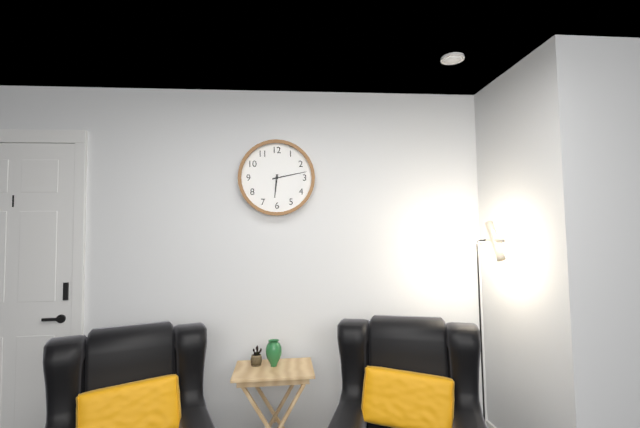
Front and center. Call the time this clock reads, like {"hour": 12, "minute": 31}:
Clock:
{"hour": 6, "minute": 13}
